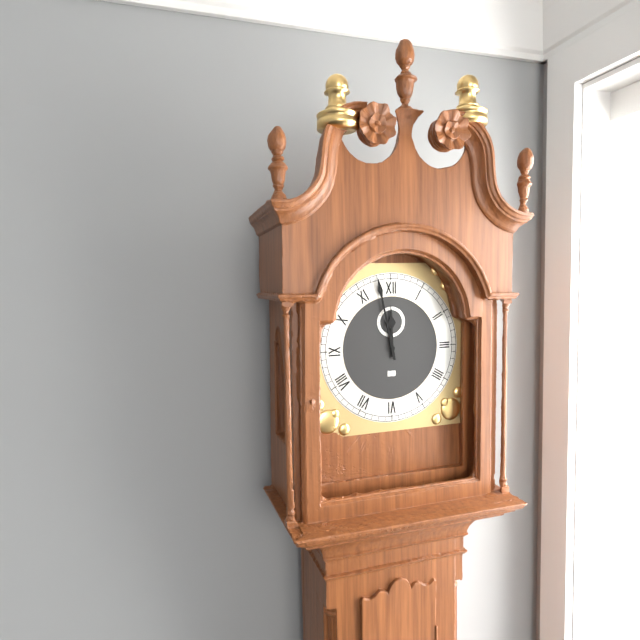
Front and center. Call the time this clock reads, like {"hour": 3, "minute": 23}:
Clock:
{"hour": 11, "minute": 58}
